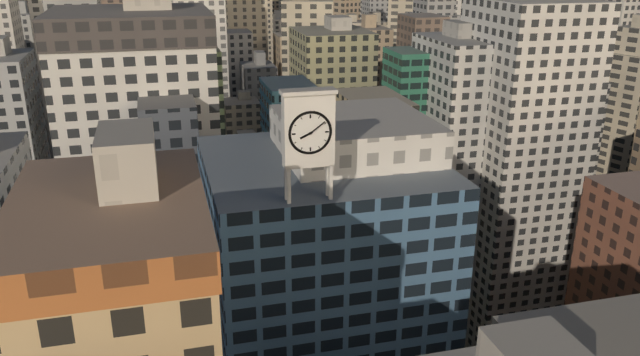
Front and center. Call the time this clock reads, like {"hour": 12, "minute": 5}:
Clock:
{"hour": 8, "minute": 9}
